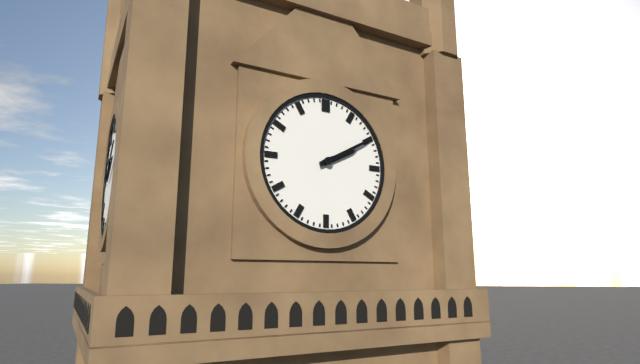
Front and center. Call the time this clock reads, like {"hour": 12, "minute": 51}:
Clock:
{"hour": 2, "minute": 10}
